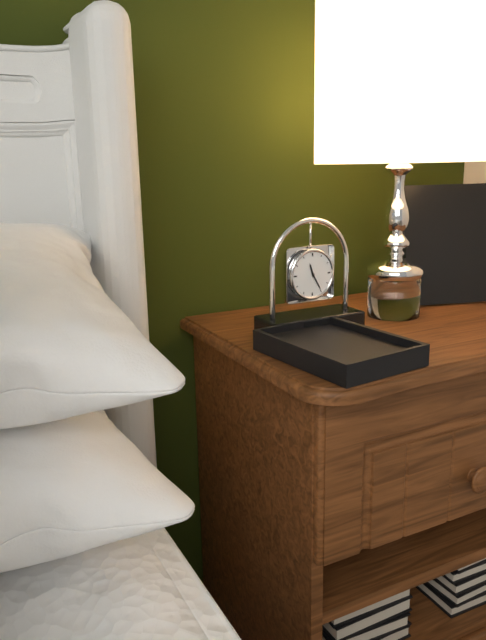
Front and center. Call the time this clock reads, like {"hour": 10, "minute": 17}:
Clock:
{"hour": 11, "minute": 25}
